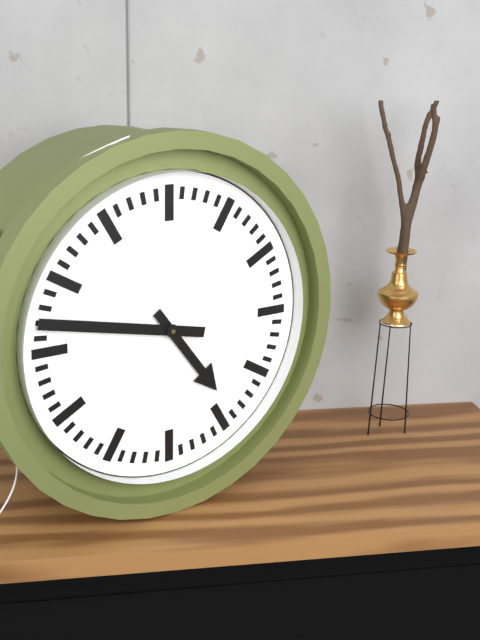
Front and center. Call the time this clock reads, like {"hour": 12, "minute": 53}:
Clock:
{"hour": 4, "minute": 47}
